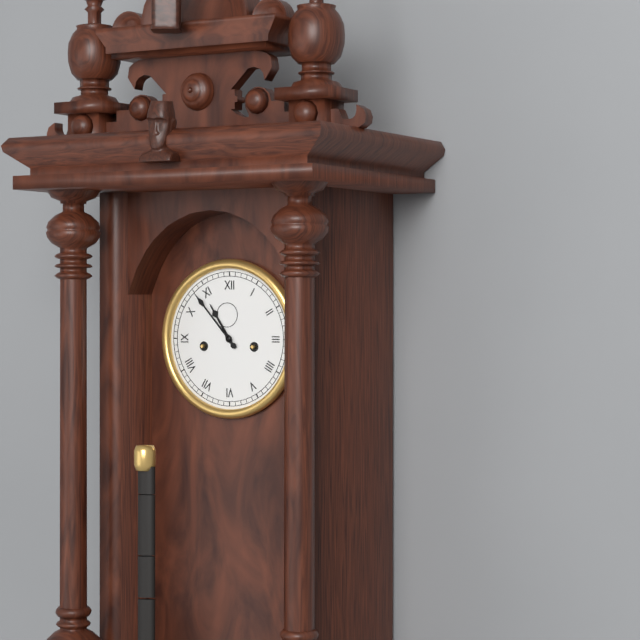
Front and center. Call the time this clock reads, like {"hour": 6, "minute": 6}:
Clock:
{"hour": 10, "minute": 53}
